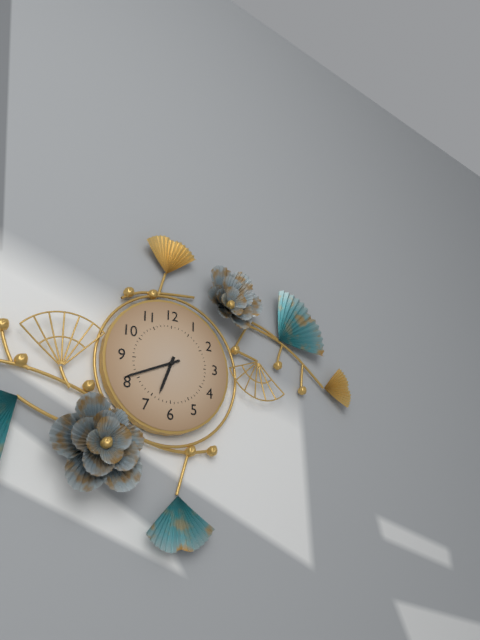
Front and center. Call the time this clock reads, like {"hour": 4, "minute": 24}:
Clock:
{"hour": 6, "minute": 41}
